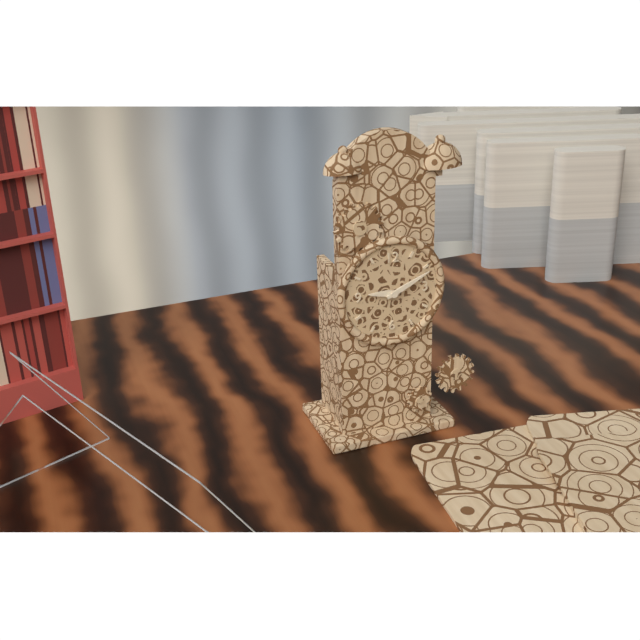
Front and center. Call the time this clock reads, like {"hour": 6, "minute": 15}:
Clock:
{"hour": 9, "minute": 11}
